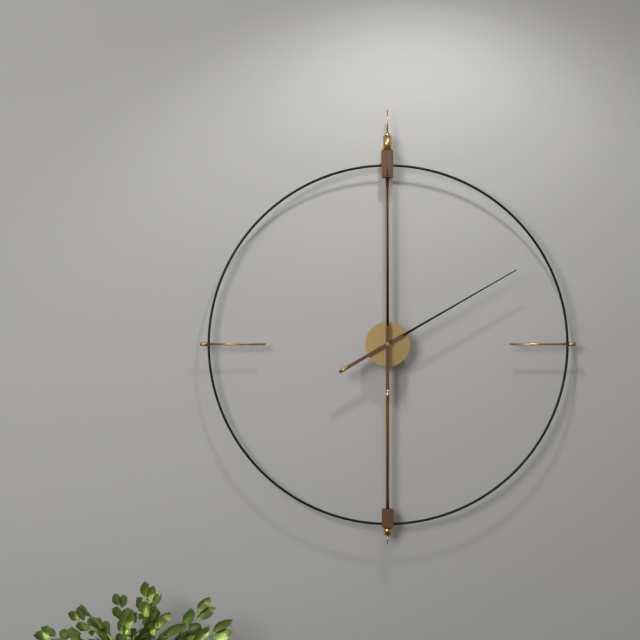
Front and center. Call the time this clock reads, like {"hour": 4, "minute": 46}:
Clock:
{"hour": 2, "minute": 0}
